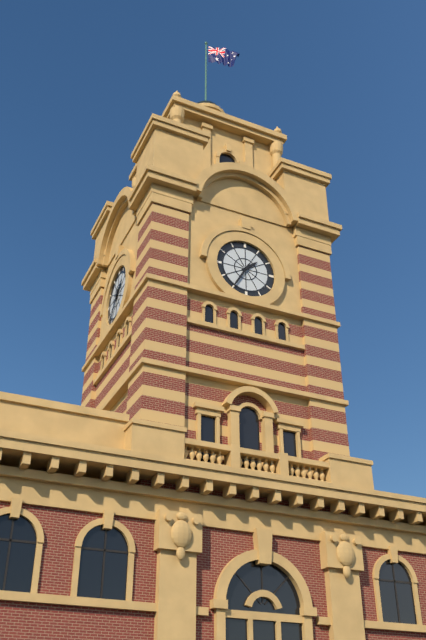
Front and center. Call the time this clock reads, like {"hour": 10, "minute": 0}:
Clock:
{"hour": 1, "minute": 35}
